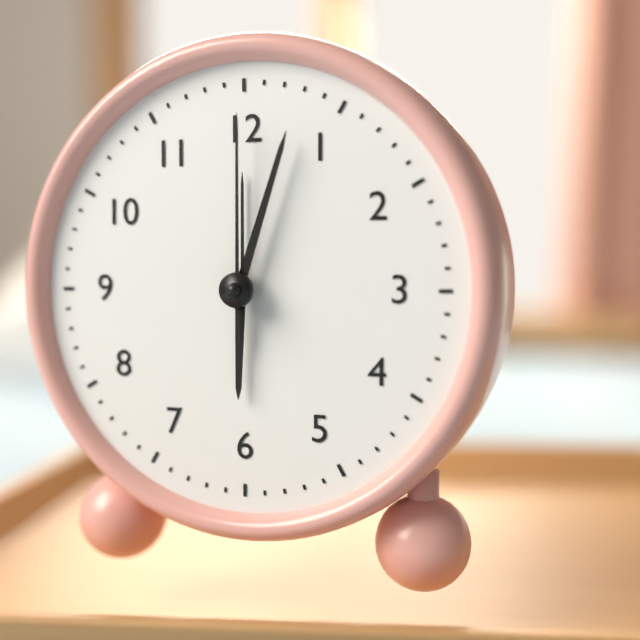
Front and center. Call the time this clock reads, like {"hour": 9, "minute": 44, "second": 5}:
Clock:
{"hour": 6, "minute": 3, "second": 0}
